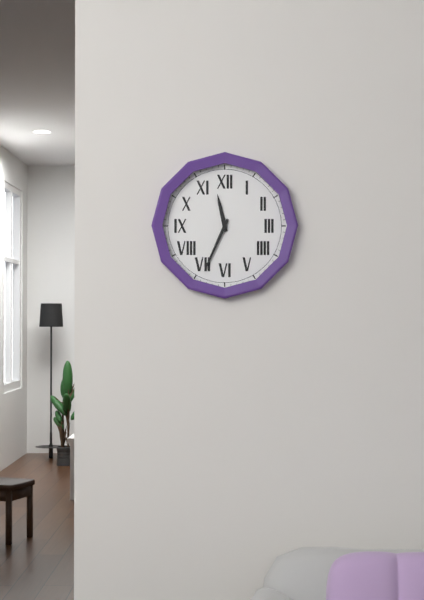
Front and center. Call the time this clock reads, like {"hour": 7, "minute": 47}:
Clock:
{"hour": 11, "minute": 34}
